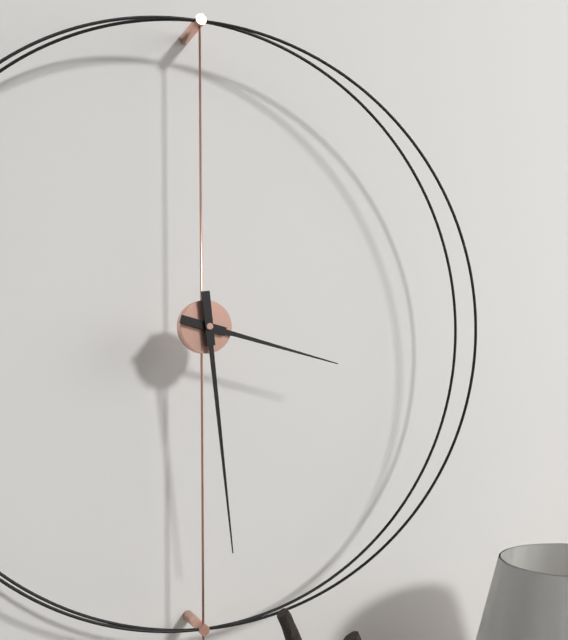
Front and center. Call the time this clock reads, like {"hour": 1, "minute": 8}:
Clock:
{"hour": 3, "minute": 29}
